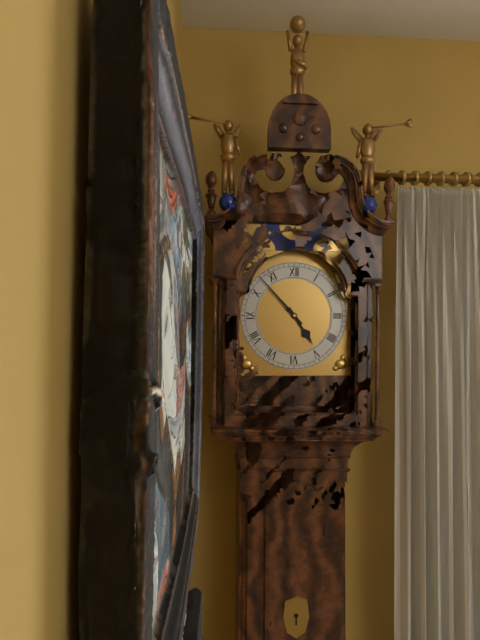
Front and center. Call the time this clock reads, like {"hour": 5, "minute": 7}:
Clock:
{"hour": 4, "minute": 53}
